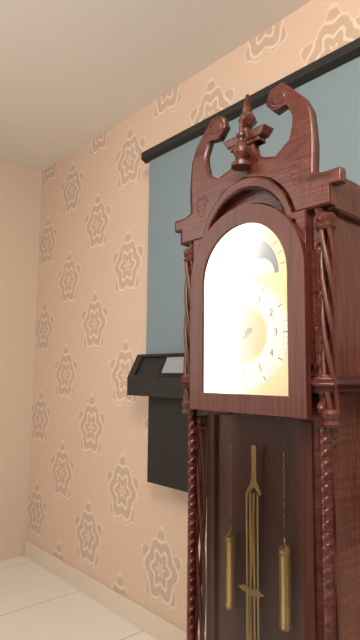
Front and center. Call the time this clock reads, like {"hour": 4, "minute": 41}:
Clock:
{"hour": 7, "minute": 40}
